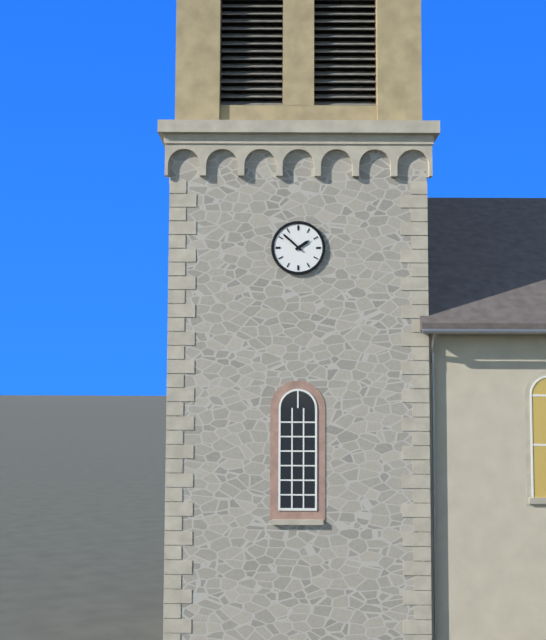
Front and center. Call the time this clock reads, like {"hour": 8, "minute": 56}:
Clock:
{"hour": 1, "minute": 52}
